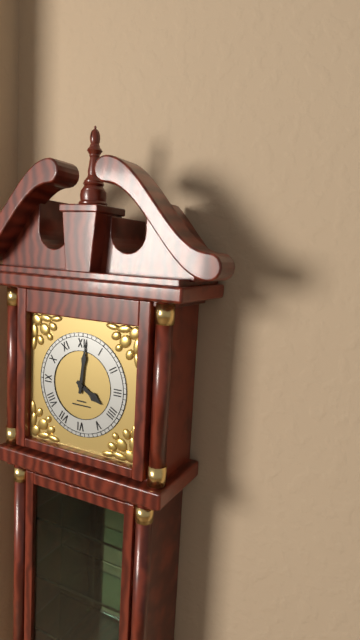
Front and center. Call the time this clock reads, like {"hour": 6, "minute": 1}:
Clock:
{"hour": 4, "minute": 1}
